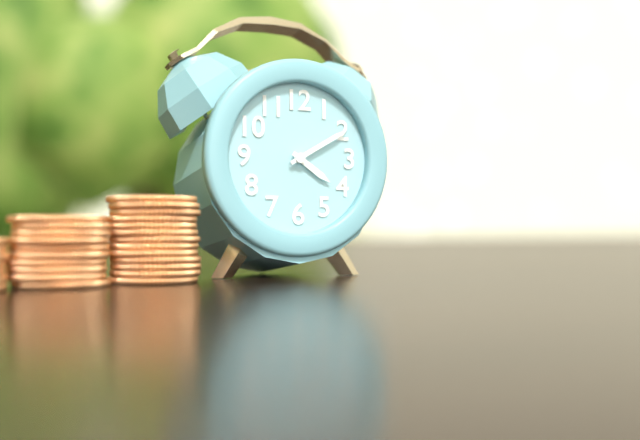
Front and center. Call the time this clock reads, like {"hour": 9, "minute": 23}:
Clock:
{"hour": 4, "minute": 10}
